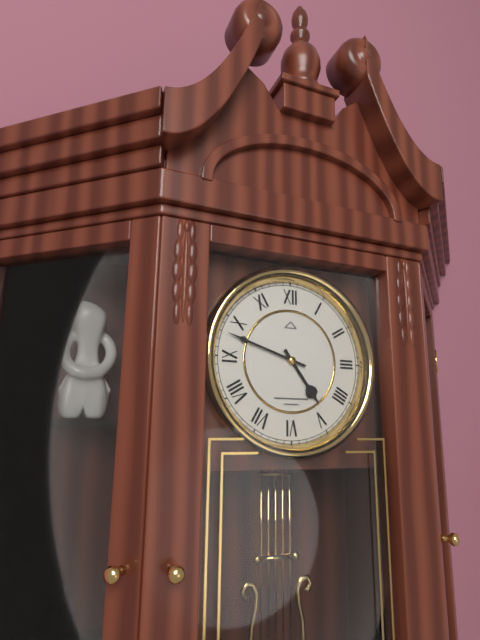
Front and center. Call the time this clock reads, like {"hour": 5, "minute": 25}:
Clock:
{"hour": 4, "minute": 48}
